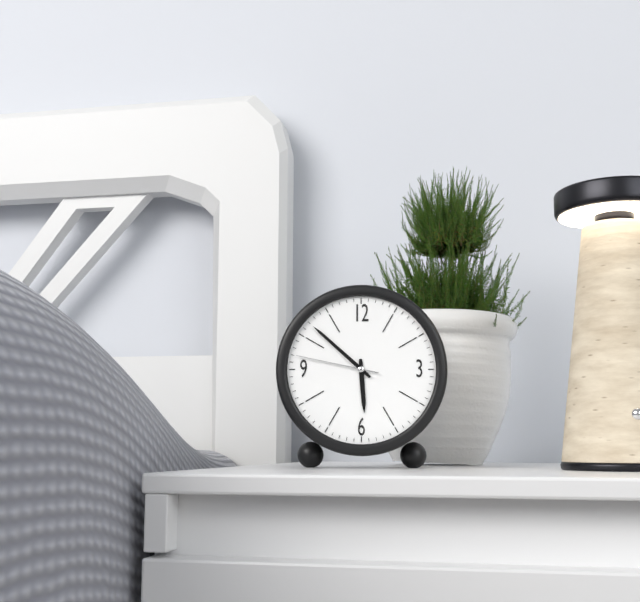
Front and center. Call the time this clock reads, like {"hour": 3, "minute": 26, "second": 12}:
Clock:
{"hour": 5, "minute": 52, "second": 47}
